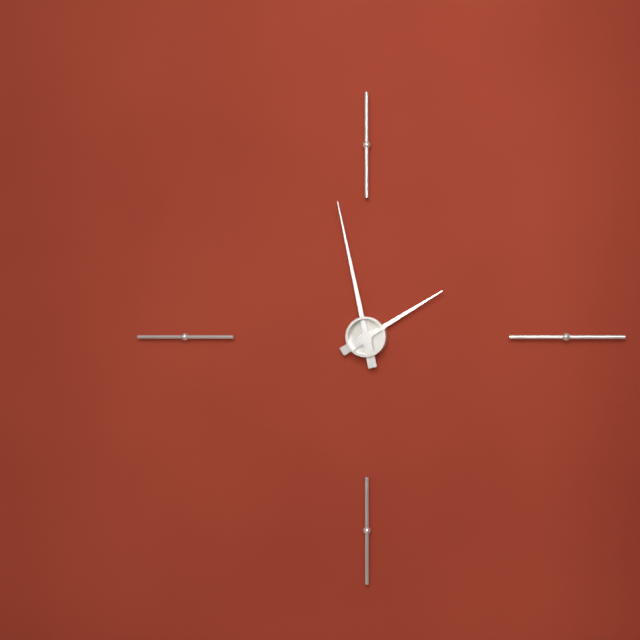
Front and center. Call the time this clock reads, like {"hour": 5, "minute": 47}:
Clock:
{"hour": 1, "minute": 58}
